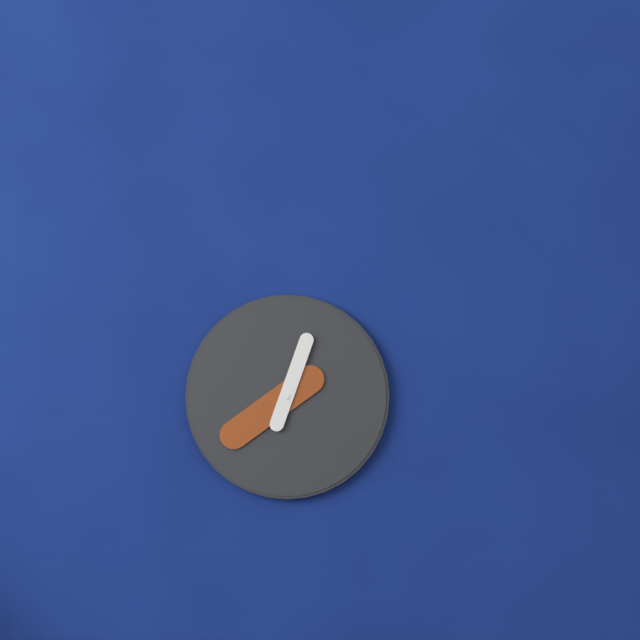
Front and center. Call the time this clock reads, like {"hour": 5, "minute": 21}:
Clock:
{"hour": 12, "minute": 39}
